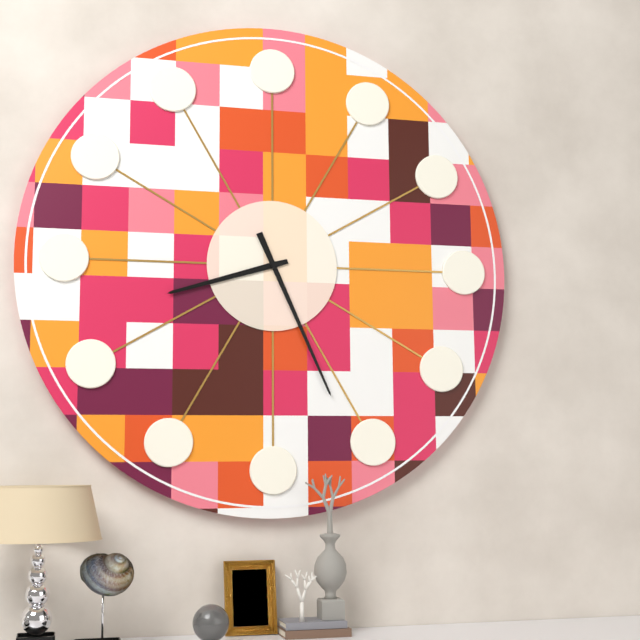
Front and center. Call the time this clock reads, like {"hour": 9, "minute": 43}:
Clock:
{"hour": 8, "minute": 26}
